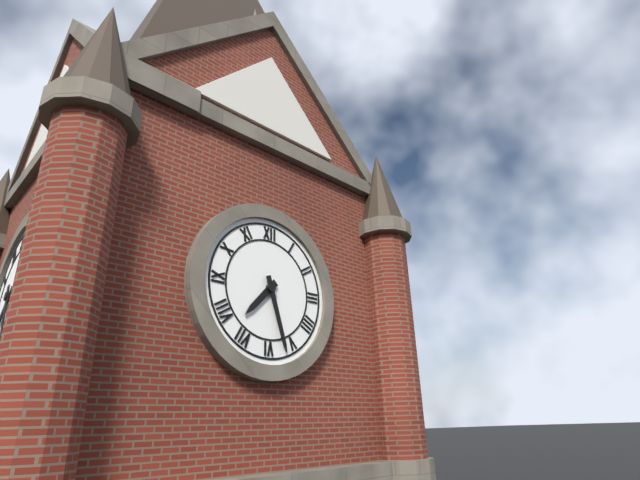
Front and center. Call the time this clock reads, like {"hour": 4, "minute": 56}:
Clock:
{"hour": 7, "minute": 27}
